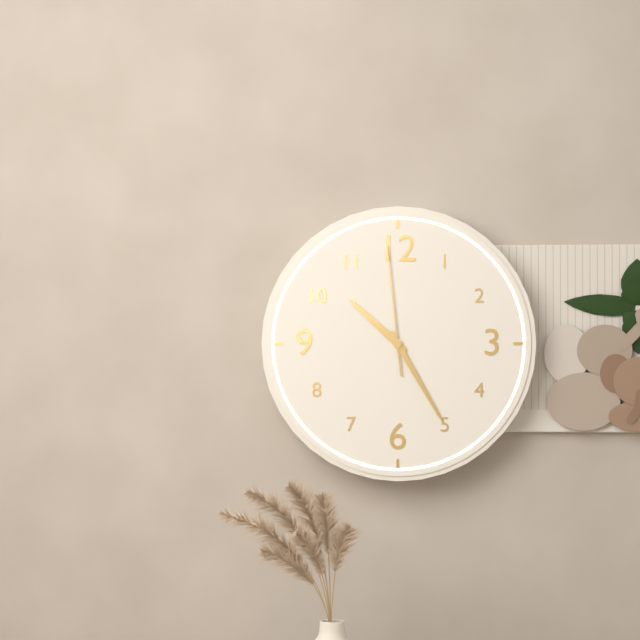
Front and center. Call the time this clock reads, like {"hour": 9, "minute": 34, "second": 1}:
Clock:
{"hour": 10, "minute": 25, "second": 59}
